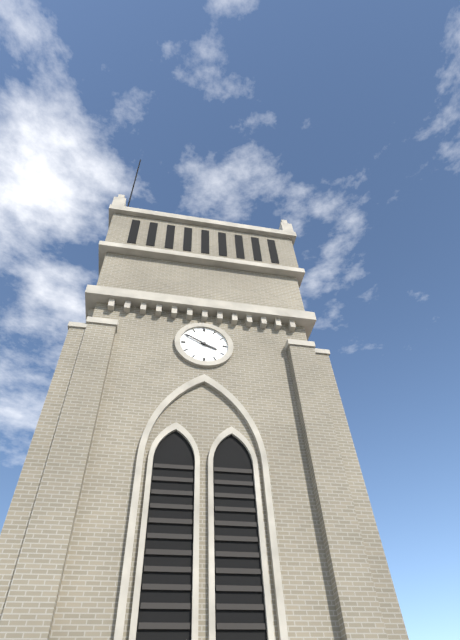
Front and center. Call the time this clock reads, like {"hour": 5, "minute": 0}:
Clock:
{"hour": 3, "minute": 50}
